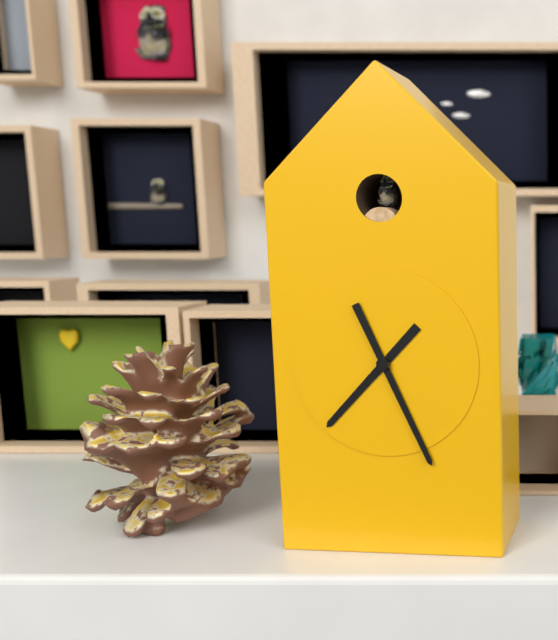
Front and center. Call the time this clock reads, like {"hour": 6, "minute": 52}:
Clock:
{"hour": 7, "minute": 26}
